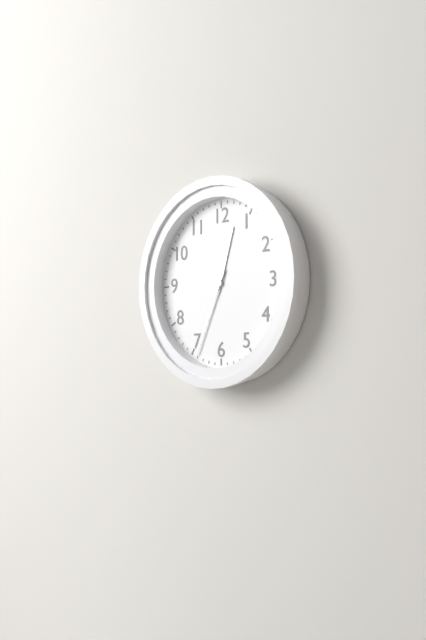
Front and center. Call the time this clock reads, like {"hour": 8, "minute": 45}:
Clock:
{"hour": 12, "minute": 34}
